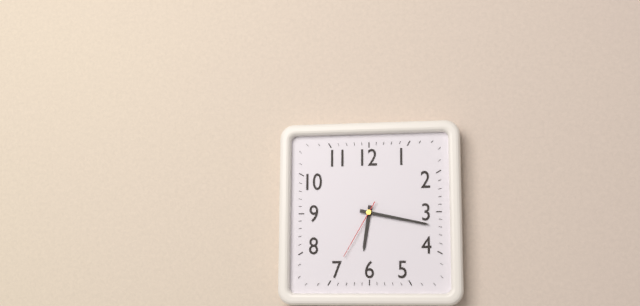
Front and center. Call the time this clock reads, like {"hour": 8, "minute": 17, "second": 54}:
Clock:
{"hour": 6, "minute": 17, "second": 35}
